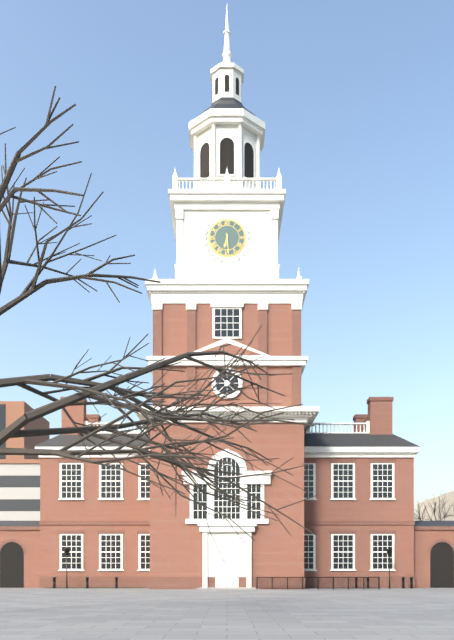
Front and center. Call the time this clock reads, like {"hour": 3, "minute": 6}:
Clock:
{"hour": 6, "minute": 29}
